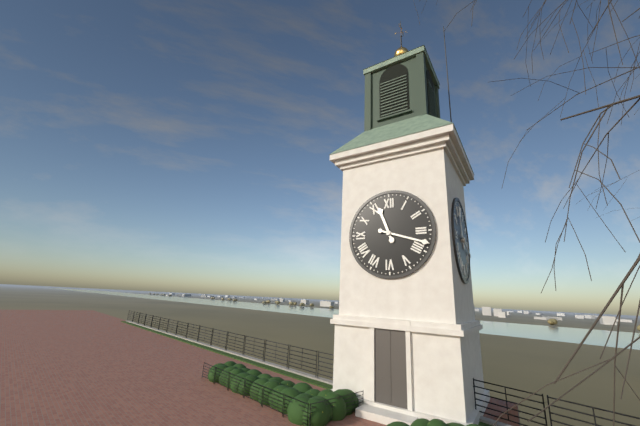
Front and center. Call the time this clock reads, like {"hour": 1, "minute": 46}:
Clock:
{"hour": 11, "minute": 18}
